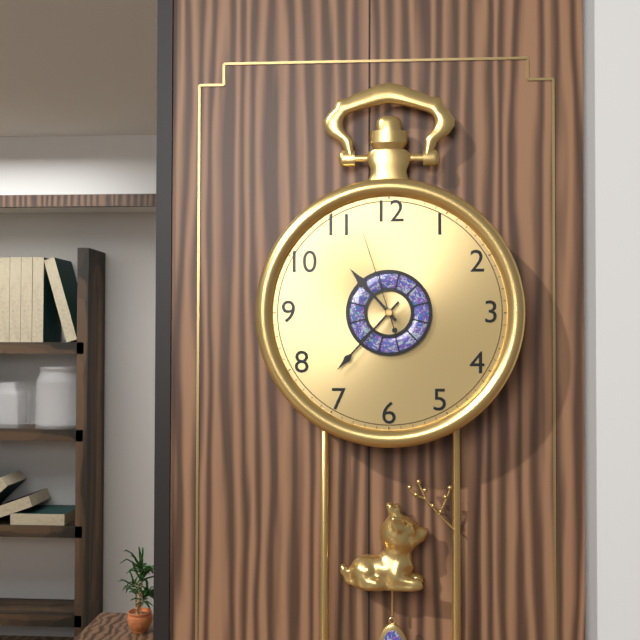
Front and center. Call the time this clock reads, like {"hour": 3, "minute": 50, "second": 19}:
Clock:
{"hour": 10, "minute": 37, "second": 57}
